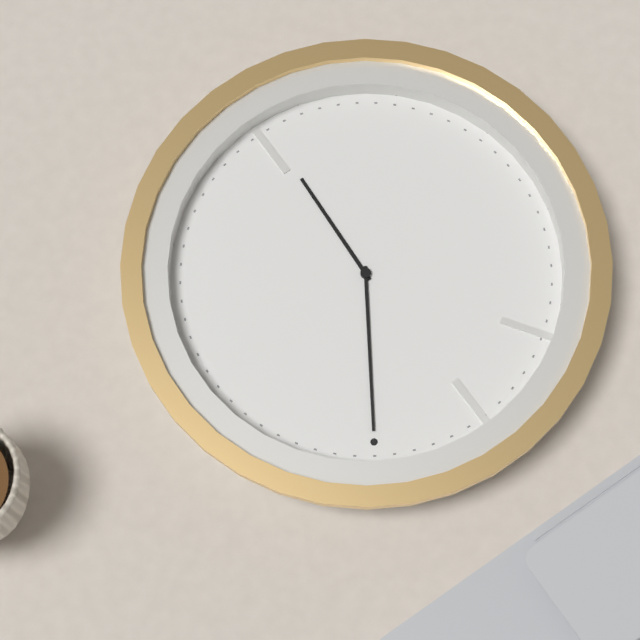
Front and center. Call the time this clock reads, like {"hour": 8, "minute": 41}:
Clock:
{"hour": 5, "minute": 0}
